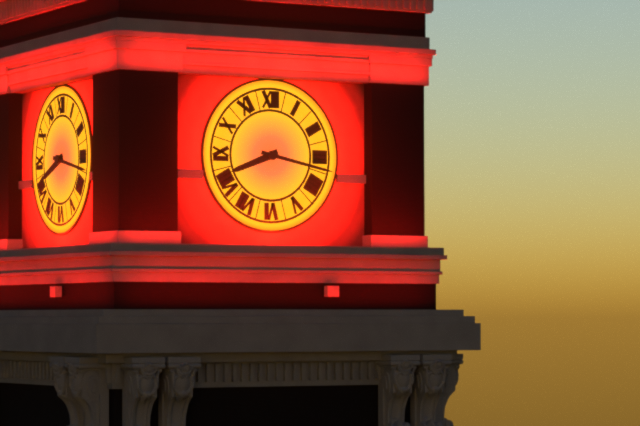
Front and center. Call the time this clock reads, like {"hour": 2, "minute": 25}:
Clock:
{"hour": 8, "minute": 17}
